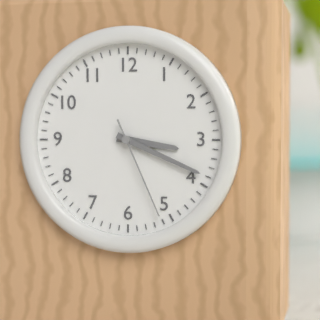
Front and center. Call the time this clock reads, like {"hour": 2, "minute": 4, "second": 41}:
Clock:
{"hour": 3, "minute": 19, "second": 26}
